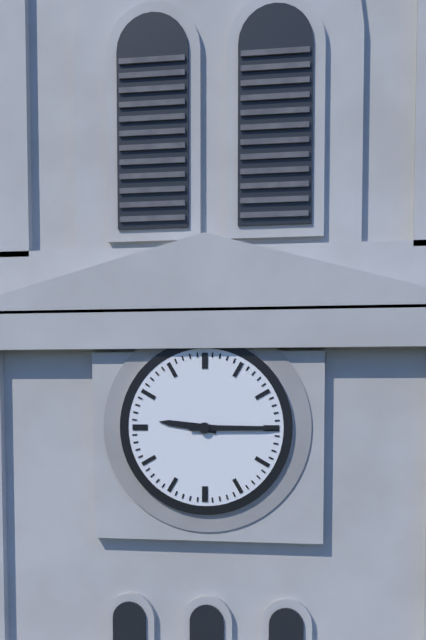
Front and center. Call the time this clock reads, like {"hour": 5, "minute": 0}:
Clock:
{"hour": 9, "minute": 15}
